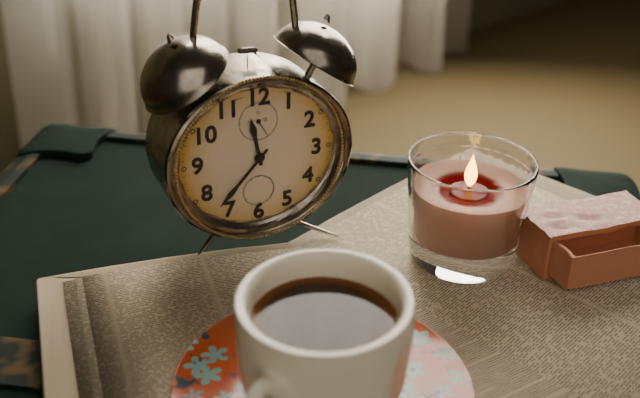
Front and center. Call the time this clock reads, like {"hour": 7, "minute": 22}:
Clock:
{"hour": 11, "minute": 37}
